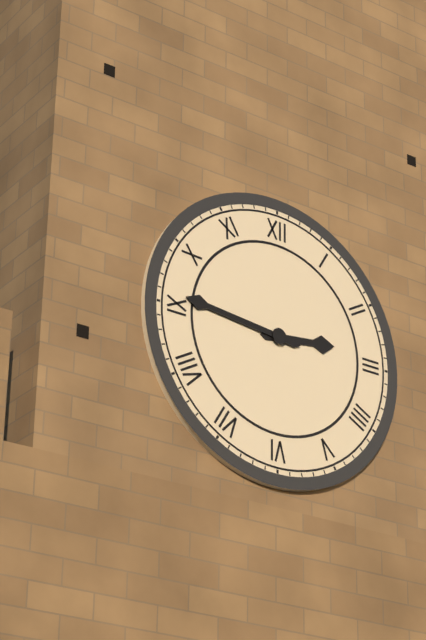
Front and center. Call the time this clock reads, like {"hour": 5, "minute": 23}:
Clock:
{"hour": 2, "minute": 46}
